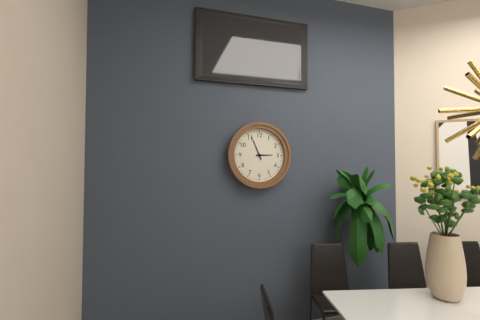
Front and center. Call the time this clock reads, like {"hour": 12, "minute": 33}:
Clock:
{"hour": 2, "minute": 56}
